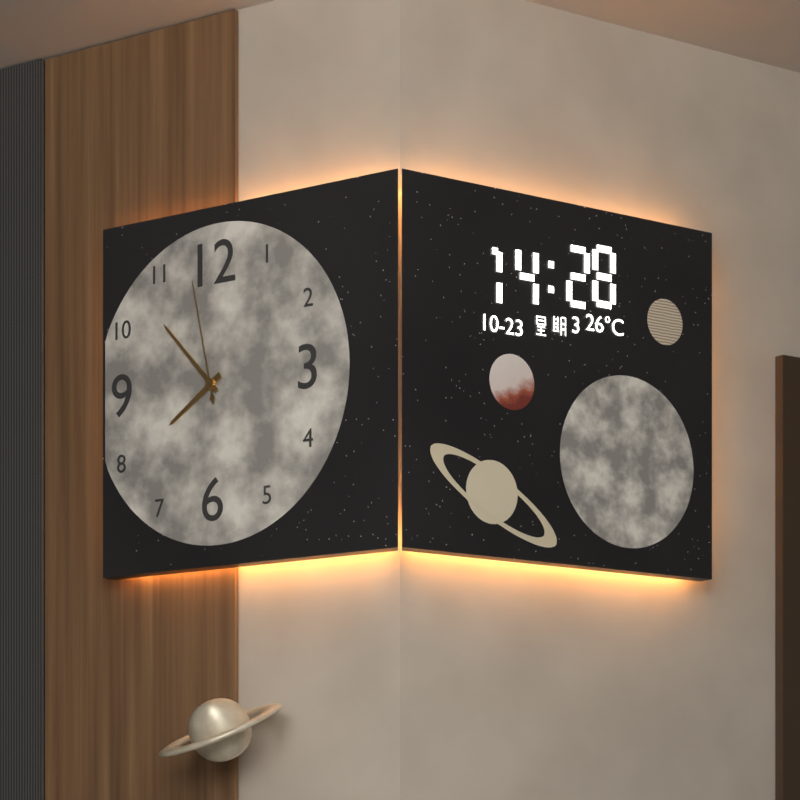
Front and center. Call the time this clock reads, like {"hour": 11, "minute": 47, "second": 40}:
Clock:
{"hour": 7, "minute": 53, "second": 58}
